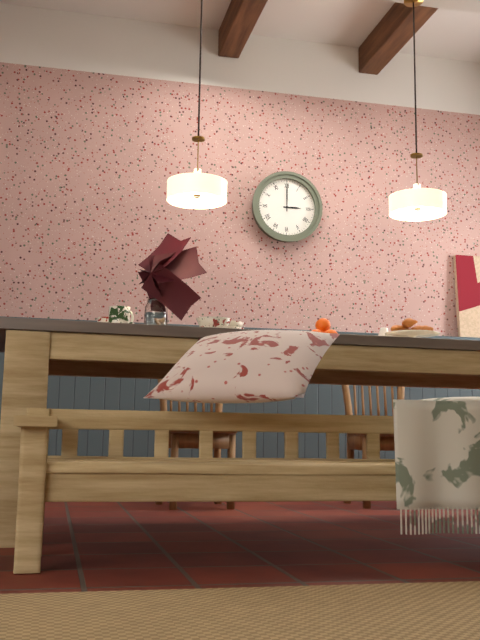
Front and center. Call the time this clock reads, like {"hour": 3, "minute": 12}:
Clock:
{"hour": 3, "minute": 0}
